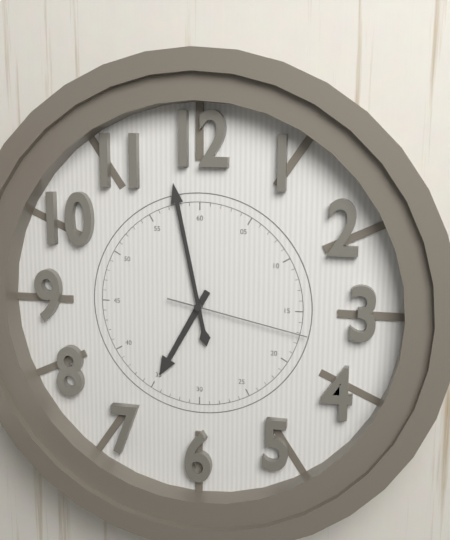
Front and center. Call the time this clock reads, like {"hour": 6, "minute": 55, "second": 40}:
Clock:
{"hour": 6, "minute": 58, "second": 17}
